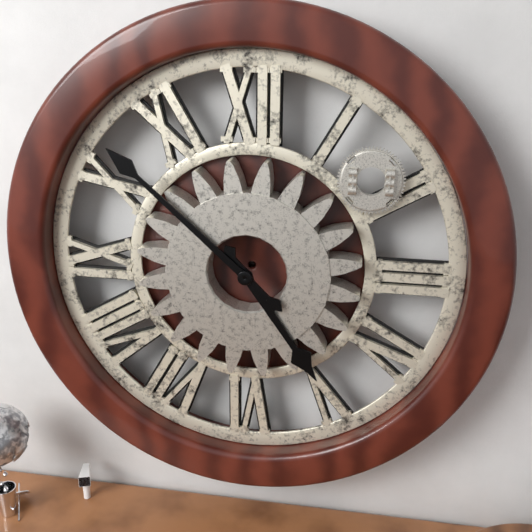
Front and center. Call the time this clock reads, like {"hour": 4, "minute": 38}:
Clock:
{"hour": 4, "minute": 52}
